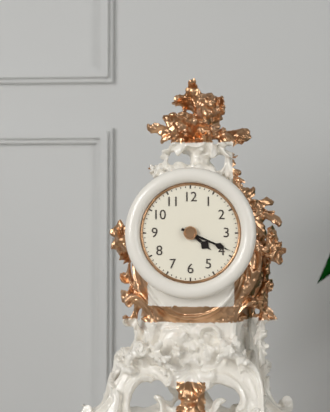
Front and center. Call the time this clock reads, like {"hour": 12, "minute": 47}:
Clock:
{"hour": 4, "minute": 19}
